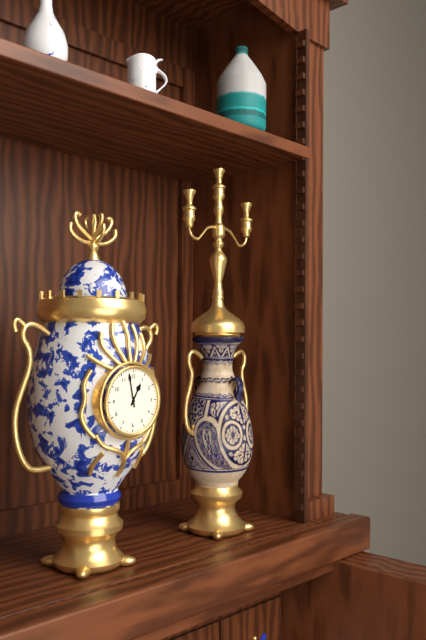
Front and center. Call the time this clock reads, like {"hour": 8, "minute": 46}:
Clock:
{"hour": 12, "minute": 58}
